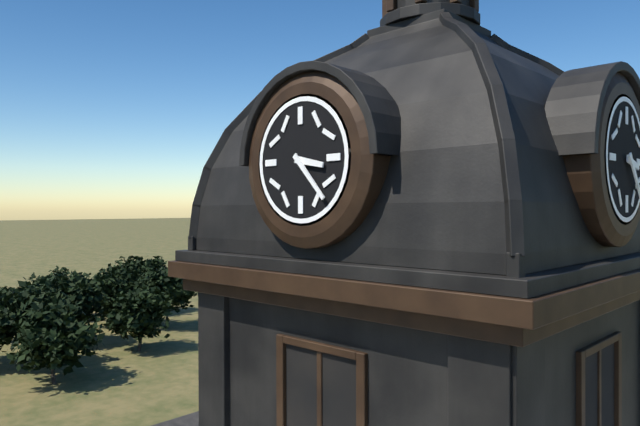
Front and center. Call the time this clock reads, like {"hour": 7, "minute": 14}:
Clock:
{"hour": 3, "minute": 23}
